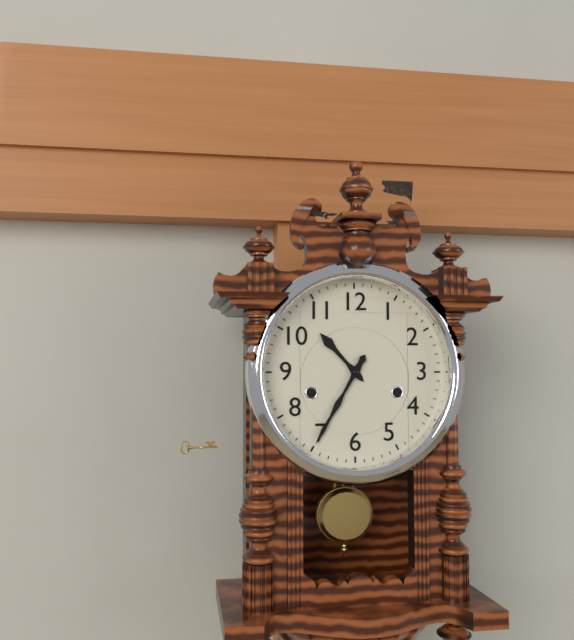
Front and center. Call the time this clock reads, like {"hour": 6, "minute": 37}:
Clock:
{"hour": 10, "minute": 35}
